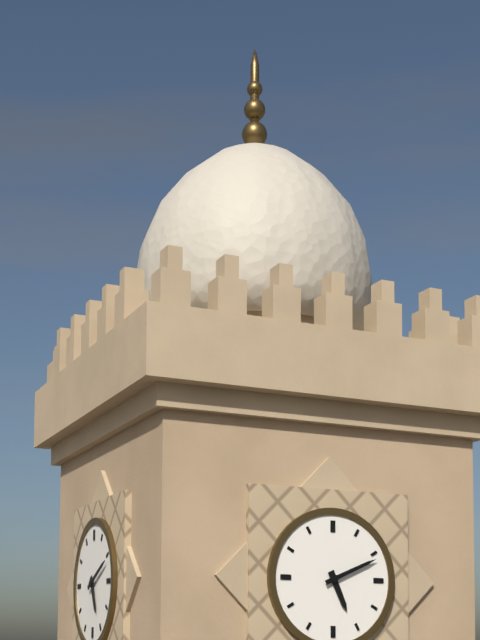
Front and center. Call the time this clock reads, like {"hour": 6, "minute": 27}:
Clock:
{"hour": 5, "minute": 11}
